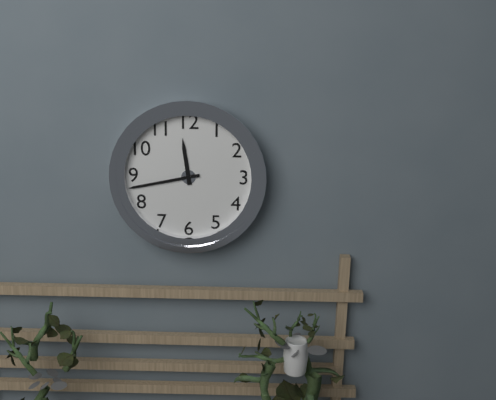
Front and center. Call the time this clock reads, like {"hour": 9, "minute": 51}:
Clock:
{"hour": 11, "minute": 43}
